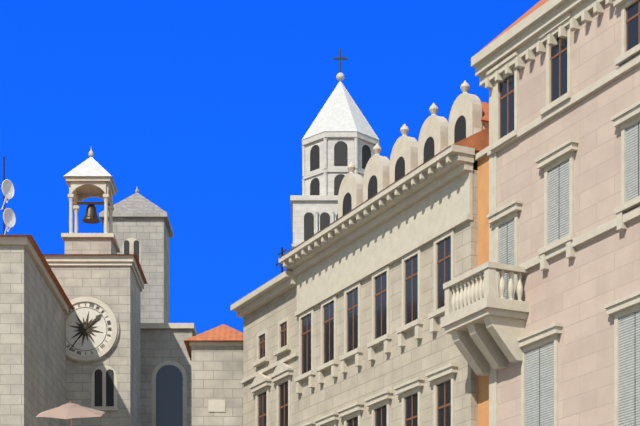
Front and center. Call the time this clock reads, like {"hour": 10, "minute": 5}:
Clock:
{"hour": 1, "minute": 36}
